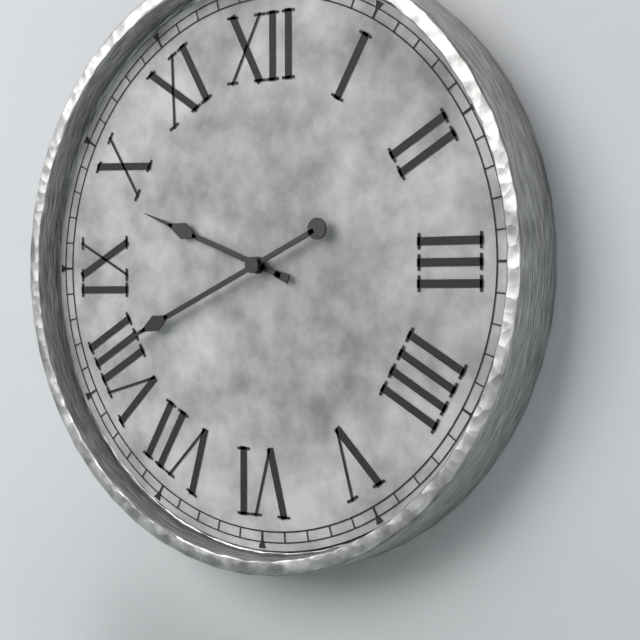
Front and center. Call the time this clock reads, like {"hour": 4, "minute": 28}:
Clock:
{"hour": 9, "minute": 41}
